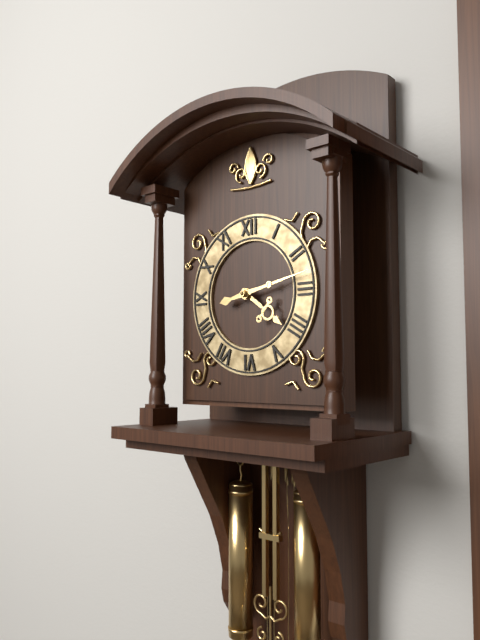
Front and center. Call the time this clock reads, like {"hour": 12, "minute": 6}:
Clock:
{"hour": 4, "minute": 13}
